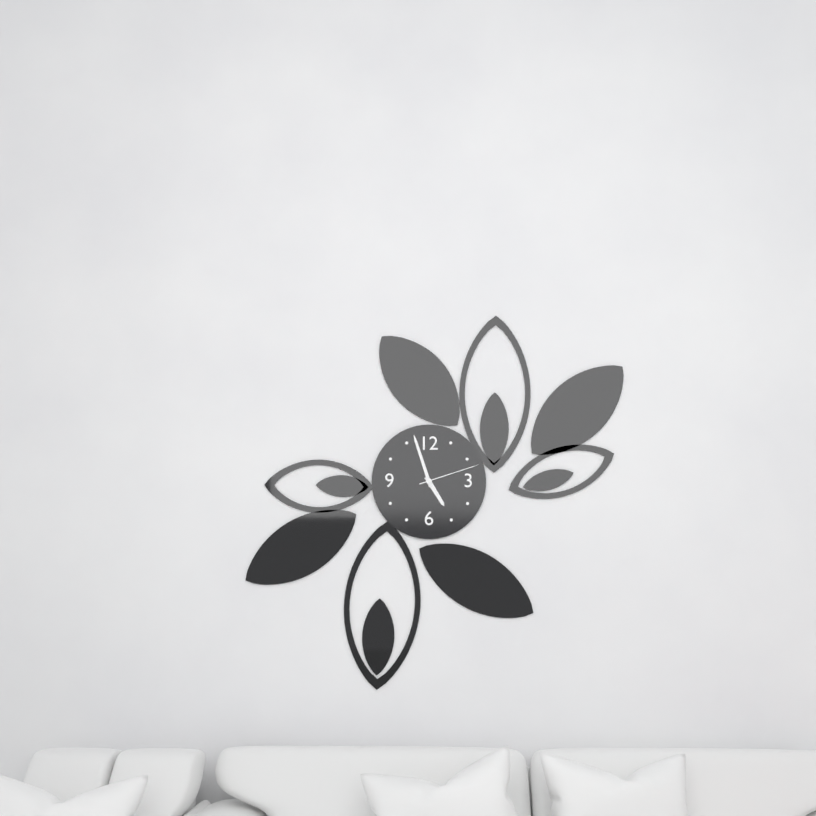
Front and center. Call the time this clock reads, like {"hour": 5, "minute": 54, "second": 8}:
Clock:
{"hour": 4, "minute": 57, "second": 12}
